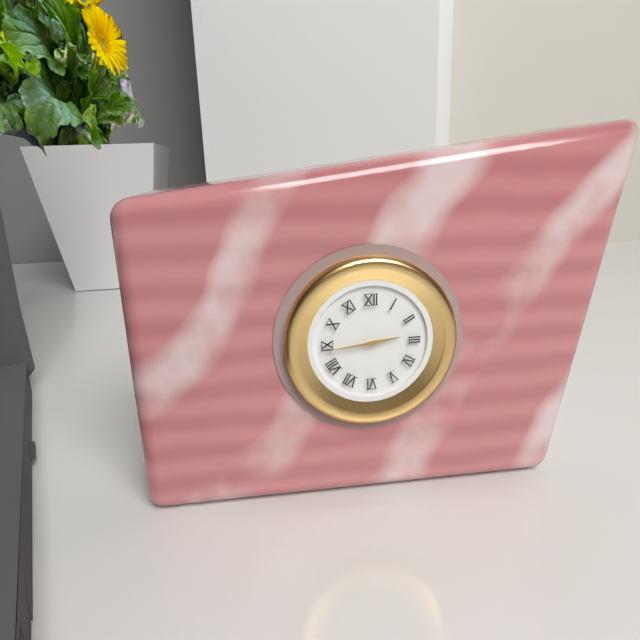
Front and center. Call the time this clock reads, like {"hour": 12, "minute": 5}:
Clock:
{"hour": 2, "minute": 44}
